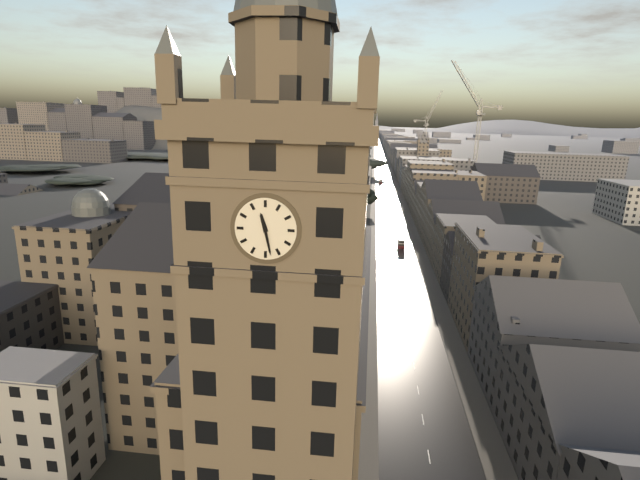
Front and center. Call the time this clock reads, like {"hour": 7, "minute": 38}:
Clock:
{"hour": 11, "minute": 28}
